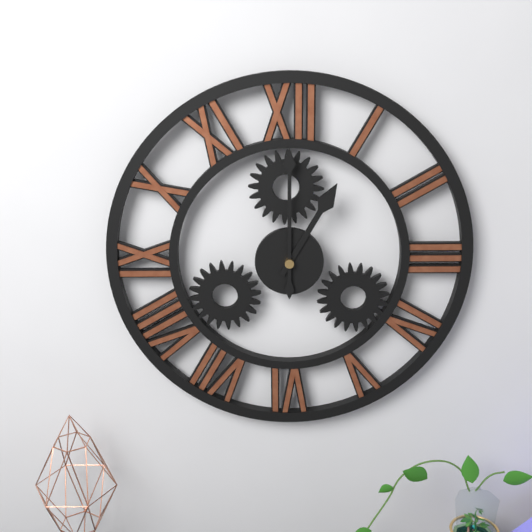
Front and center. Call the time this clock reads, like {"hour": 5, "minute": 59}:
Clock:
{"hour": 1, "minute": 0}
